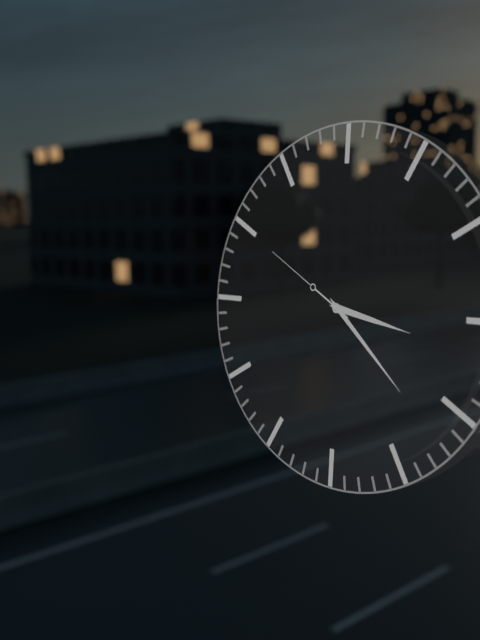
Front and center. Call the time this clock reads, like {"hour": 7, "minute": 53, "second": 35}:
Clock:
{"hour": 3, "minute": 22, "second": 50}
